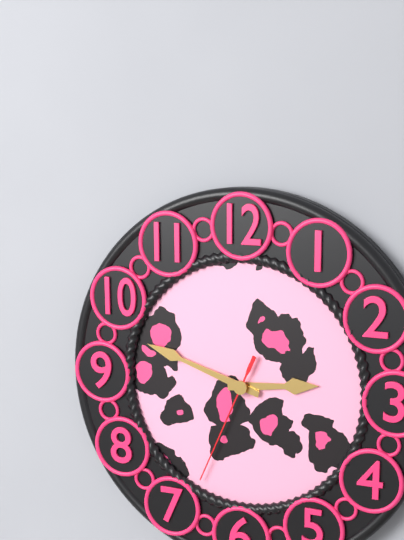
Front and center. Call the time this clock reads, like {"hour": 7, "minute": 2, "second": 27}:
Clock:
{"hour": 2, "minute": 48, "second": 34}
